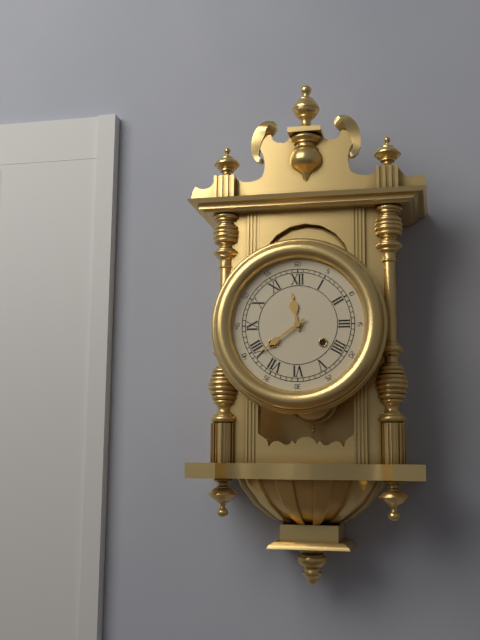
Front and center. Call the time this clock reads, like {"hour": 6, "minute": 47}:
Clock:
{"hour": 11, "minute": 39}
